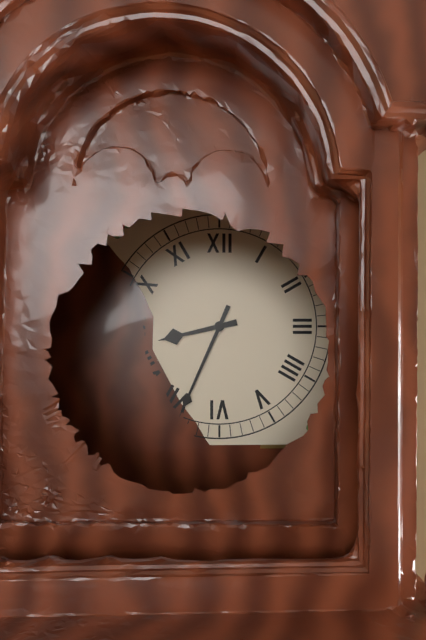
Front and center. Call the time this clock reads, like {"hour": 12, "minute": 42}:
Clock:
{"hour": 8, "minute": 34}
